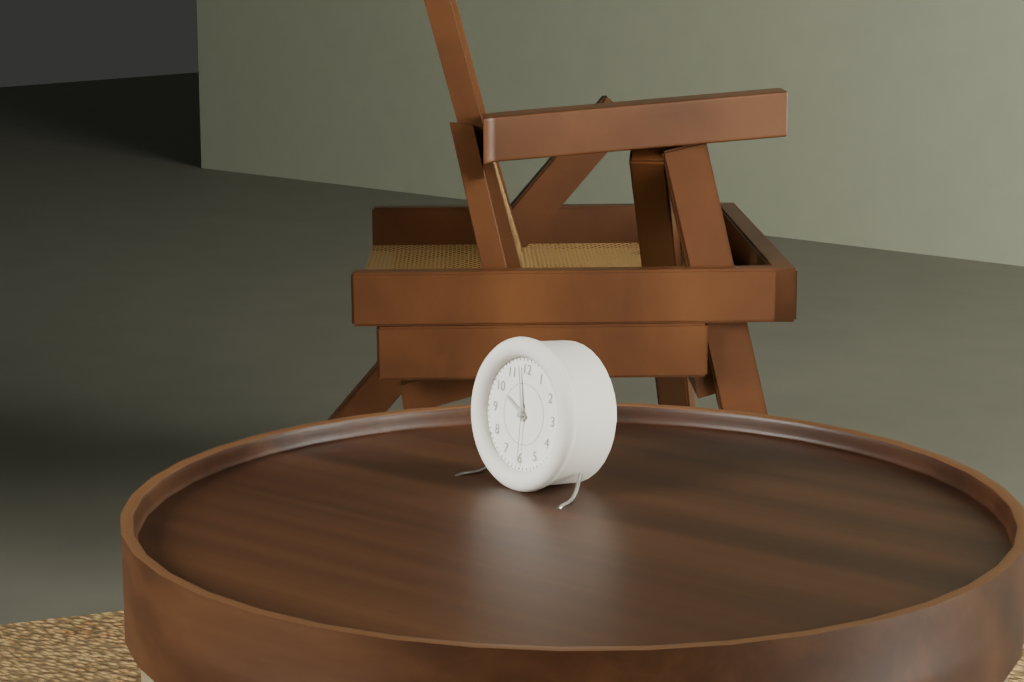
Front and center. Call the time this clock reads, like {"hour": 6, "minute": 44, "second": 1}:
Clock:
{"hour": 9, "minute": 58, "second": 30}
